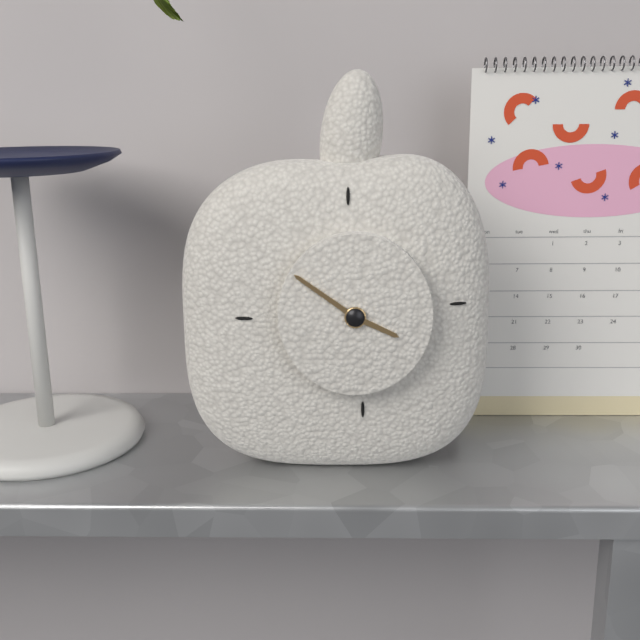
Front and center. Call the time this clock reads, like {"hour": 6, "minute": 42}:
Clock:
{"hour": 3, "minute": 51}
